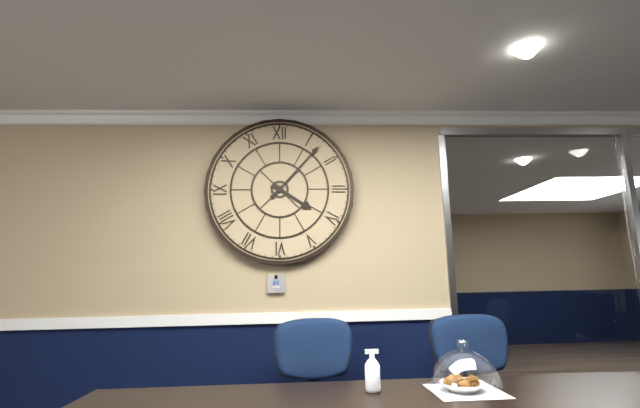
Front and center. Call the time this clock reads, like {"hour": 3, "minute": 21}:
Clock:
{"hour": 4, "minute": 7}
